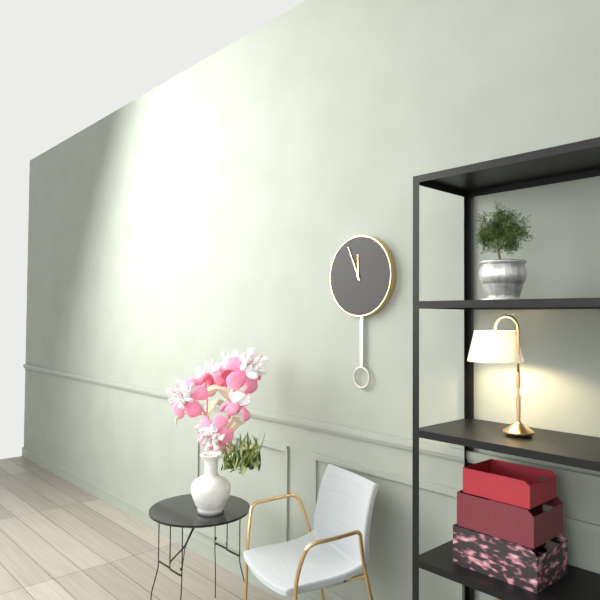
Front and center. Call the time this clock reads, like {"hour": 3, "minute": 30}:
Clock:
{"hour": 11, "minute": 56}
